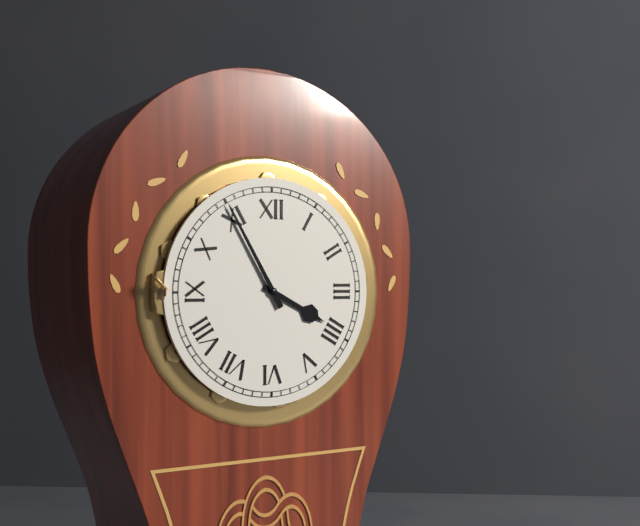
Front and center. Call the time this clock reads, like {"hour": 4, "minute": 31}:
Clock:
{"hour": 3, "minute": 55}
